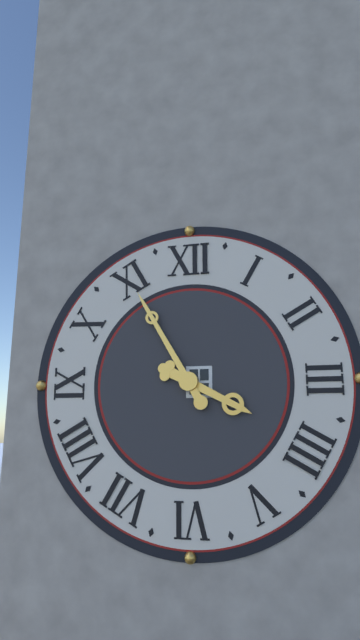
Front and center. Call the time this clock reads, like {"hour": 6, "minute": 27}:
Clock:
{"hour": 3, "minute": 55}
